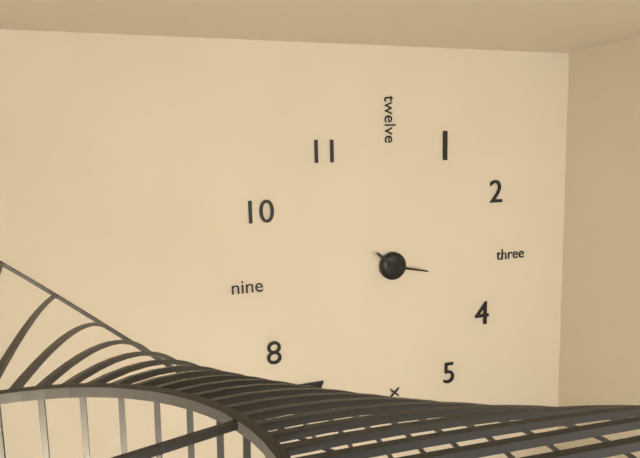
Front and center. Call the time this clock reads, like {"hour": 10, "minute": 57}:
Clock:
{"hour": 10, "minute": 17}
